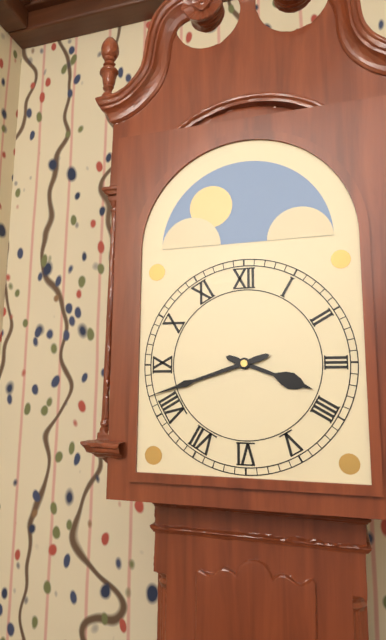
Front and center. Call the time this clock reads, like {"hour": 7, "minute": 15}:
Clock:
{"hour": 3, "minute": 42}
